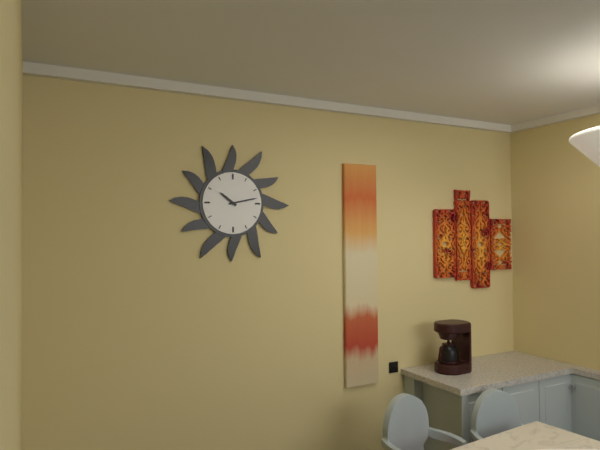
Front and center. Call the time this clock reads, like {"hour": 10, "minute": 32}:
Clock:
{"hour": 10, "minute": 13}
